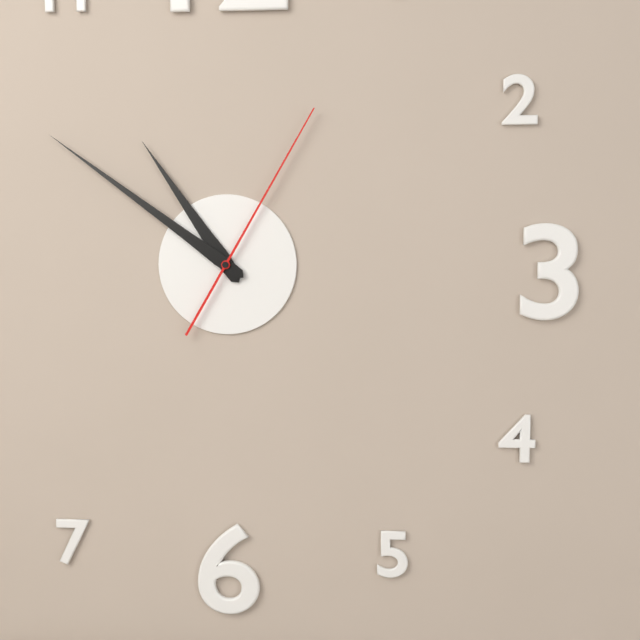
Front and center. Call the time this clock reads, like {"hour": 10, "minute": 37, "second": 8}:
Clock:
{"hour": 10, "minute": 51, "second": 5}
